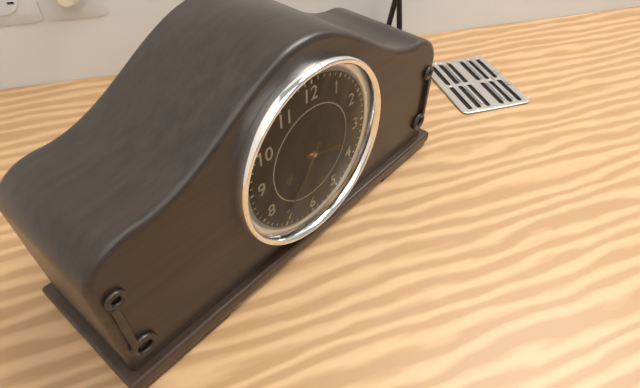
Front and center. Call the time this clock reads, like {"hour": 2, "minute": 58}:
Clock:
{"hour": 3, "minute": 36}
